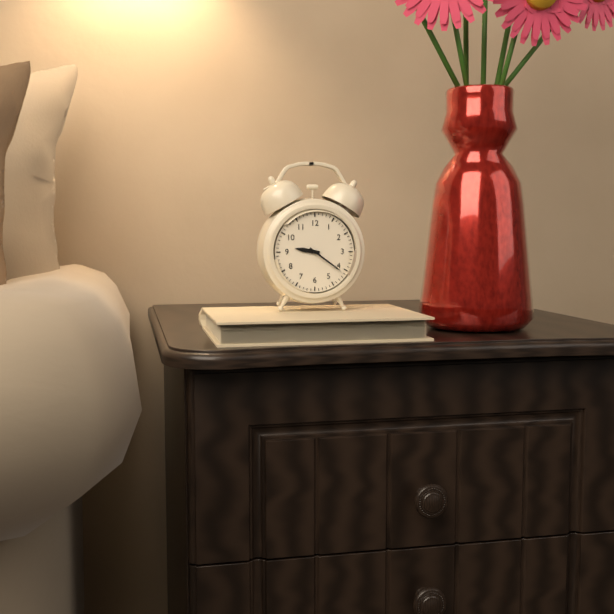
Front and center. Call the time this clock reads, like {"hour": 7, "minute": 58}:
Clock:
{"hour": 9, "minute": 21}
